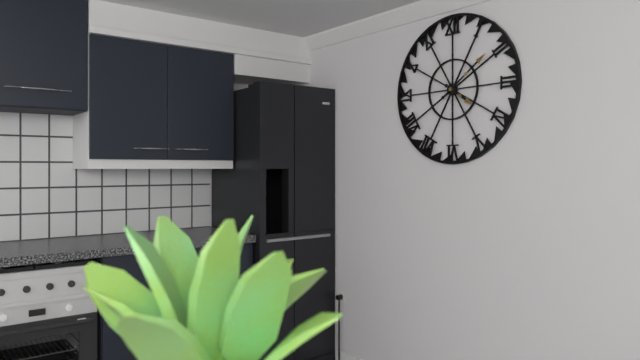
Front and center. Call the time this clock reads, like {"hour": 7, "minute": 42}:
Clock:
{"hour": 4, "minute": 9}
